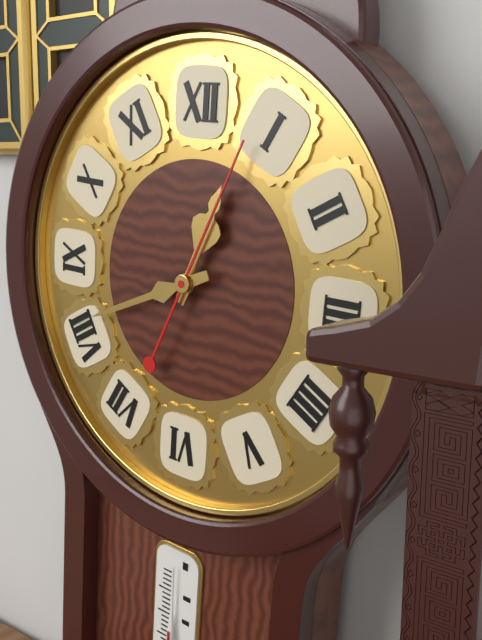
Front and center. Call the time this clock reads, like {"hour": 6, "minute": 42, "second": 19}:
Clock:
{"hour": 12, "minute": 41, "second": 4}
